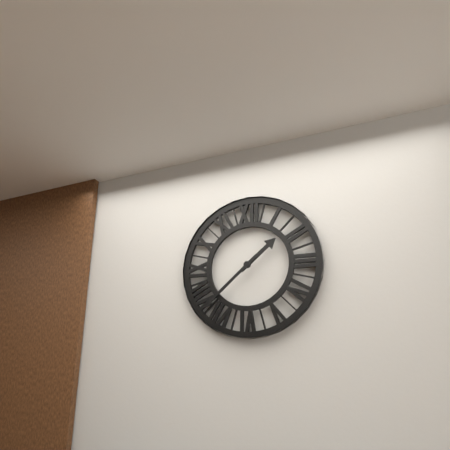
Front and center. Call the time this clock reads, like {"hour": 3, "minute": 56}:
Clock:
{"hour": 1, "minute": 38}
